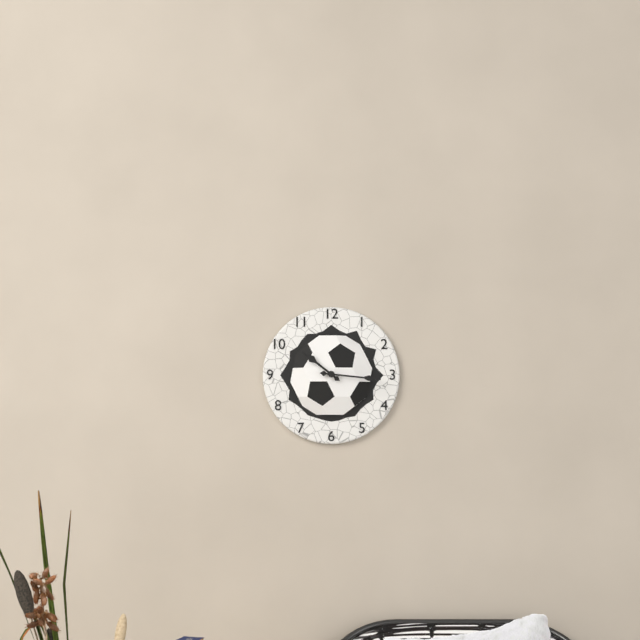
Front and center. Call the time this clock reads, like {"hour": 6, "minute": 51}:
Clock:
{"hour": 10, "minute": 16}
